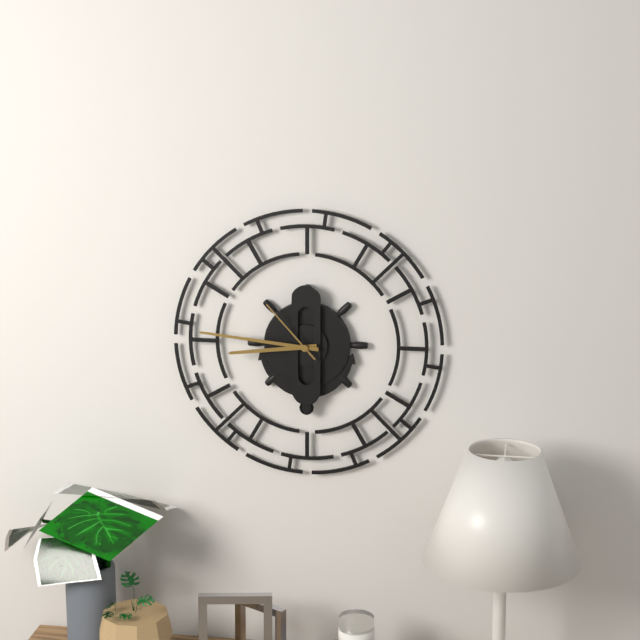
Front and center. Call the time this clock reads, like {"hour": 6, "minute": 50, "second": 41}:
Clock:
{"hour": 8, "minute": 46, "second": 53}
